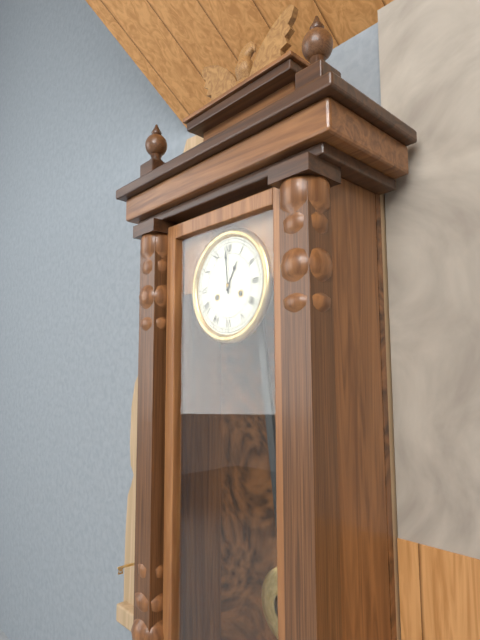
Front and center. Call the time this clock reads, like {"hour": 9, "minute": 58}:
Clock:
{"hour": 12, "minute": 59}
